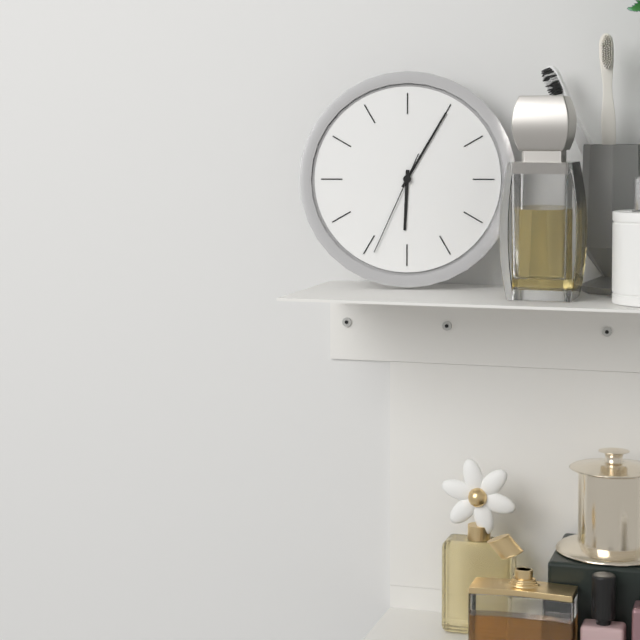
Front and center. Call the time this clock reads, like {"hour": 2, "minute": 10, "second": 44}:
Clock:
{"hour": 6, "minute": 5, "second": 34}
